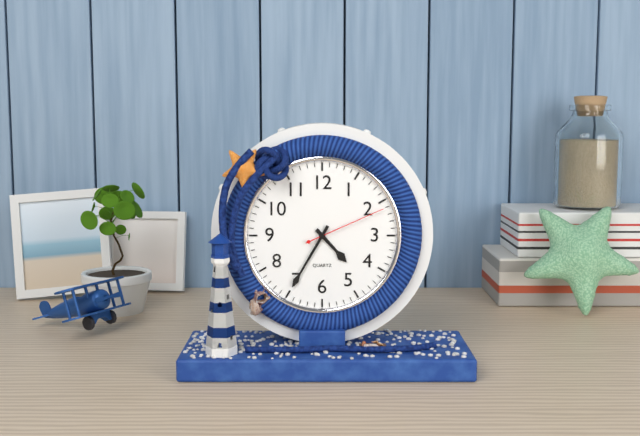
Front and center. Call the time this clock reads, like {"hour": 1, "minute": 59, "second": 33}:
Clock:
{"hour": 4, "minute": 35, "second": 11}
